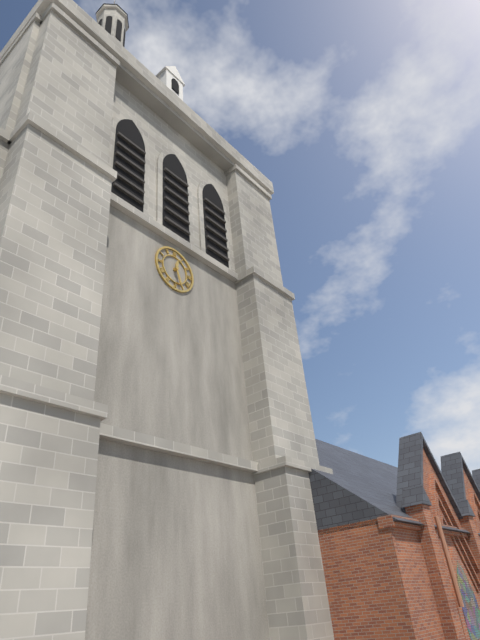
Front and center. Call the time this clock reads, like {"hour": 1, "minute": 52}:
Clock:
{"hour": 12, "minute": 27}
